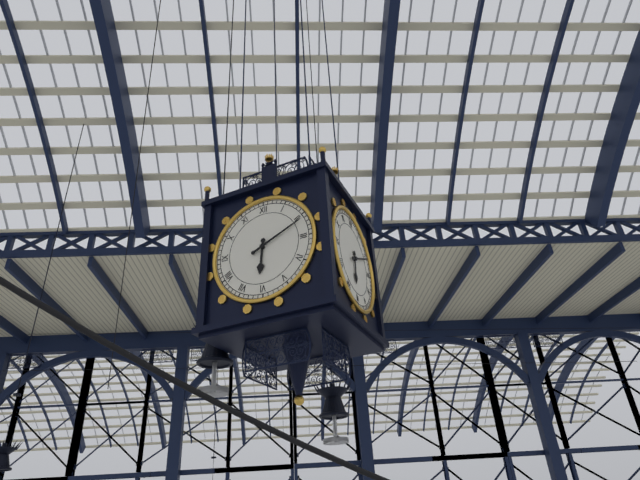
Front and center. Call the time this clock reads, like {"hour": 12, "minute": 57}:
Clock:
{"hour": 6, "minute": 11}
